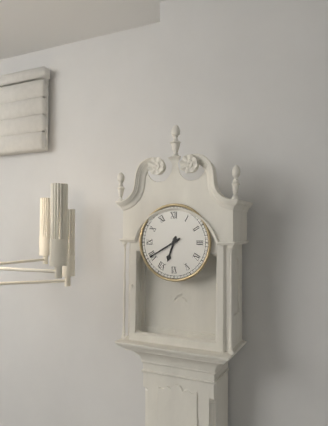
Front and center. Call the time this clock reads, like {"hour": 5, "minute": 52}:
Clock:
{"hour": 6, "minute": 40}
